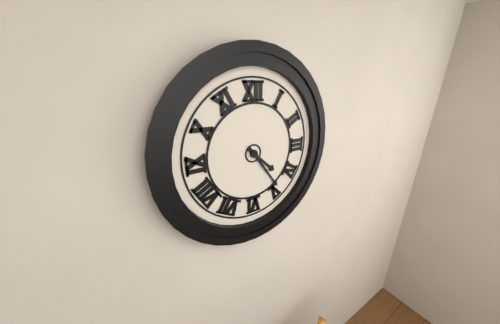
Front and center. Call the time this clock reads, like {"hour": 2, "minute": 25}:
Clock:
{"hour": 4, "minute": 24}
